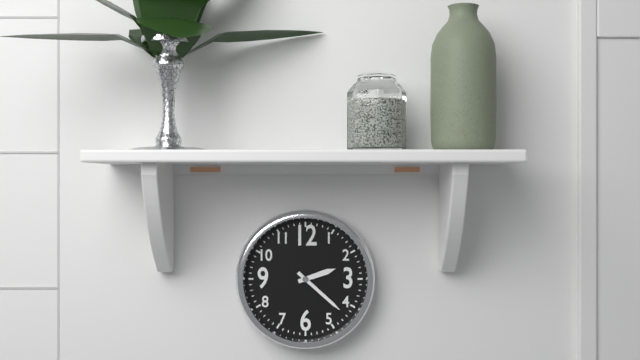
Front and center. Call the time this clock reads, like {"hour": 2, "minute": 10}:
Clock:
{"hour": 2, "minute": 22}
